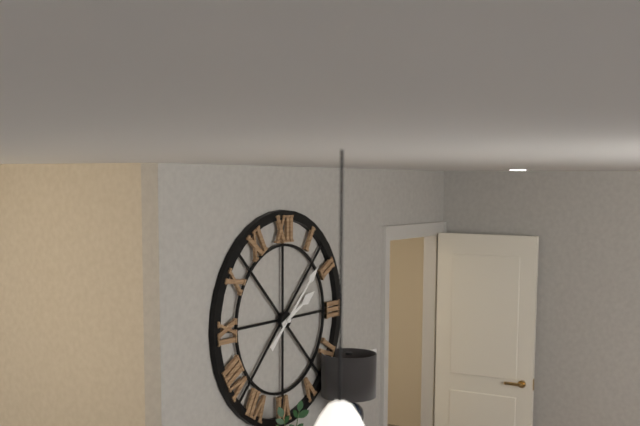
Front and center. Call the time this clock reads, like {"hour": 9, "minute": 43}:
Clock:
{"hour": 2, "minute": 8}
